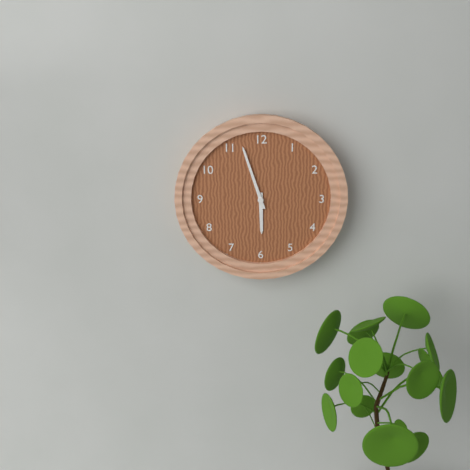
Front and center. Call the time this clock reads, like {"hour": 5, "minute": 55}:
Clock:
{"hour": 5, "minute": 57}
